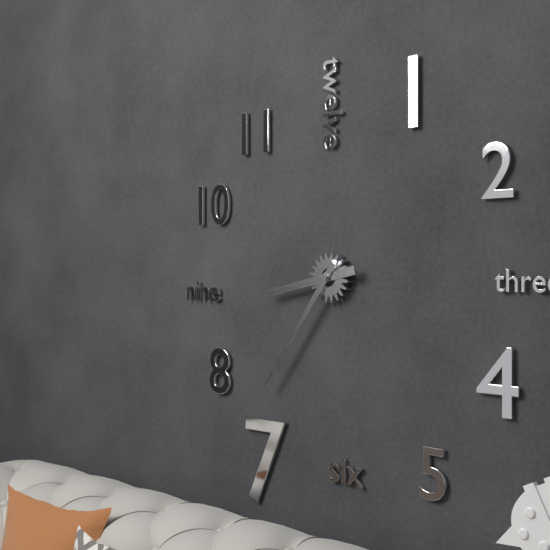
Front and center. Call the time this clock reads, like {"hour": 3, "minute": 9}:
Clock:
{"hour": 8, "minute": 36}
